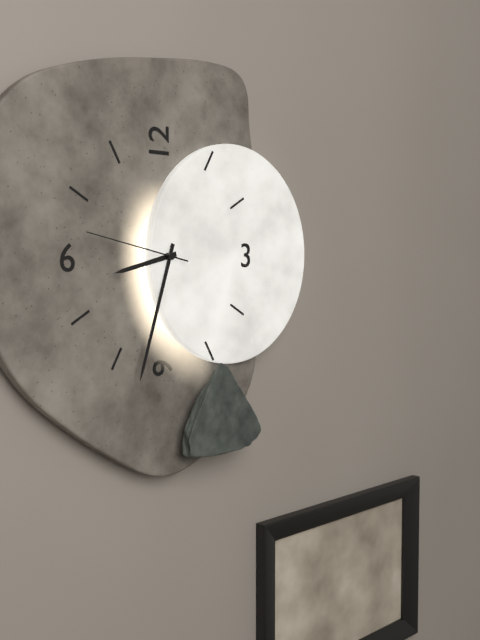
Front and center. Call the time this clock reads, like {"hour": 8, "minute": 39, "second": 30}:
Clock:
{"hour": 8, "minute": 33, "second": 47}
